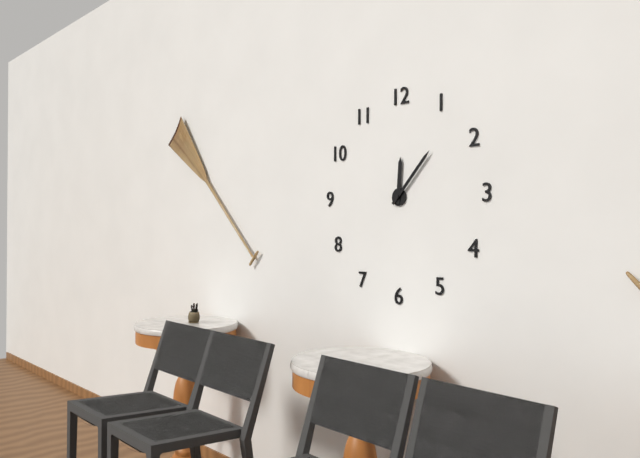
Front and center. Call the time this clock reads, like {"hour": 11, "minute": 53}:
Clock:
{"hour": 12, "minute": 7}
